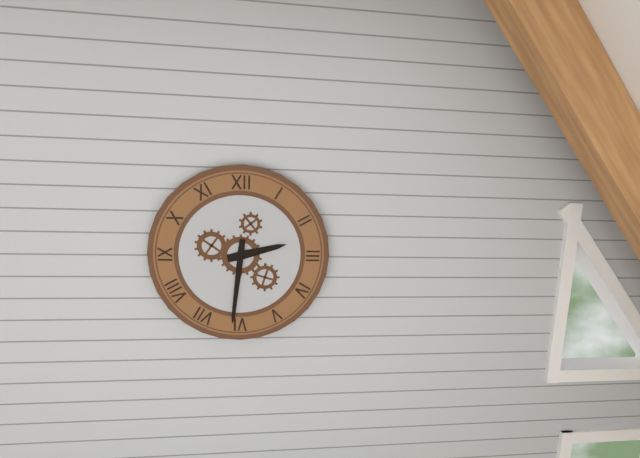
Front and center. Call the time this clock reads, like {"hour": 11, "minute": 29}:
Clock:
{"hour": 2, "minute": 31}
